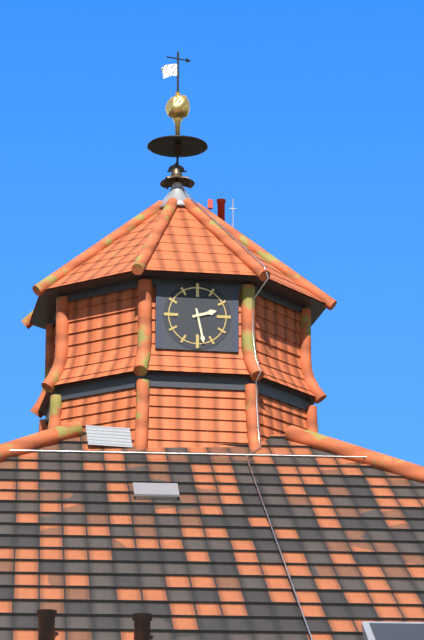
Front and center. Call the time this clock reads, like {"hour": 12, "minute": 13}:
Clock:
{"hour": 2, "minute": 28}
